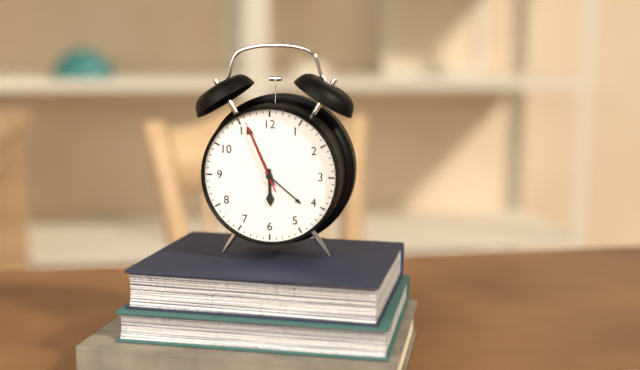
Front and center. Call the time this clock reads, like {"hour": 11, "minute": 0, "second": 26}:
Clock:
{"hour": 5, "minute": 56, "second": 56}
